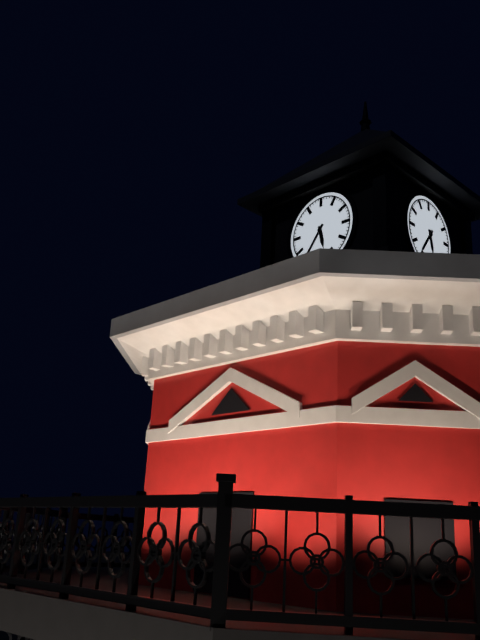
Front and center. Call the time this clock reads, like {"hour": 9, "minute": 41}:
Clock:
{"hour": 5, "minute": 36}
